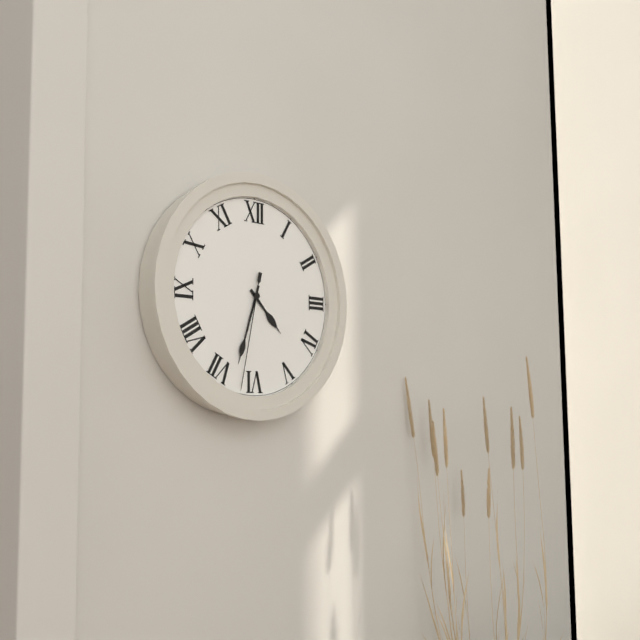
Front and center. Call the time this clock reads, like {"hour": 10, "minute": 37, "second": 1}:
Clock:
{"hour": 4, "minute": 33, "second": 32}
